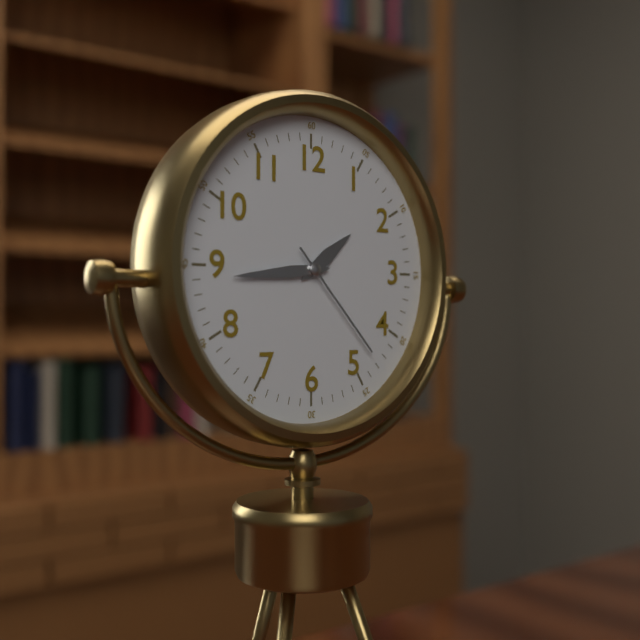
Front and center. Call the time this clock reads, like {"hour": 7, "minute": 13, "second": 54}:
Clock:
{"hour": 1, "minute": 44, "second": 23}
